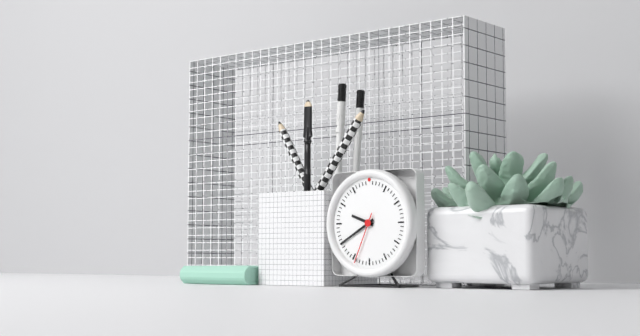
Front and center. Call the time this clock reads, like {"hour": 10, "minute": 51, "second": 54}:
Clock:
{"hour": 9, "minute": 40, "second": 34}
